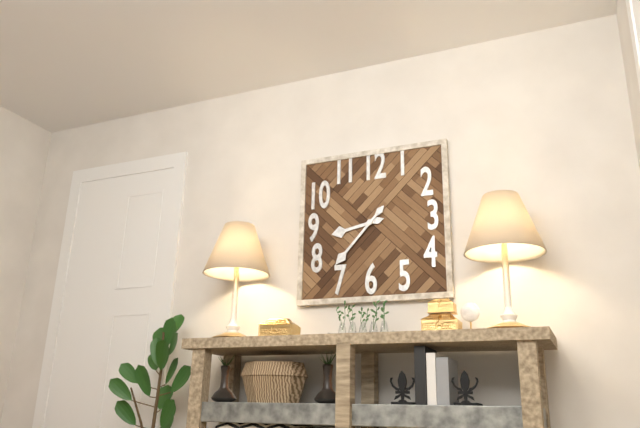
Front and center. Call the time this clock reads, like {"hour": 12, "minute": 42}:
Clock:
{"hour": 8, "minute": 37}
